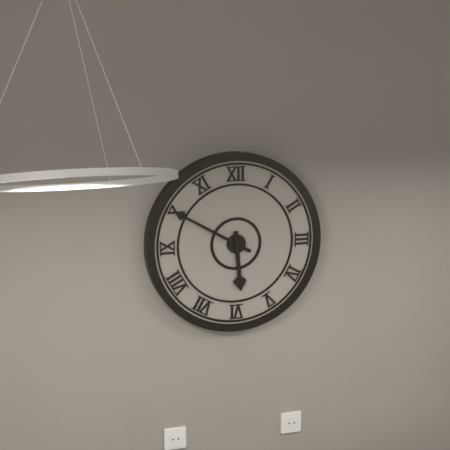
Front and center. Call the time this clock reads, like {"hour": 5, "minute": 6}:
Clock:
{"hour": 5, "minute": 50}
